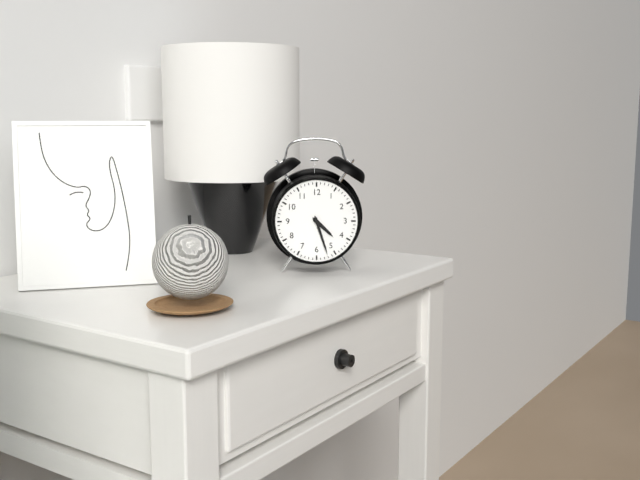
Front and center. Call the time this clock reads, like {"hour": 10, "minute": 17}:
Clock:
{"hour": 4, "minute": 27}
